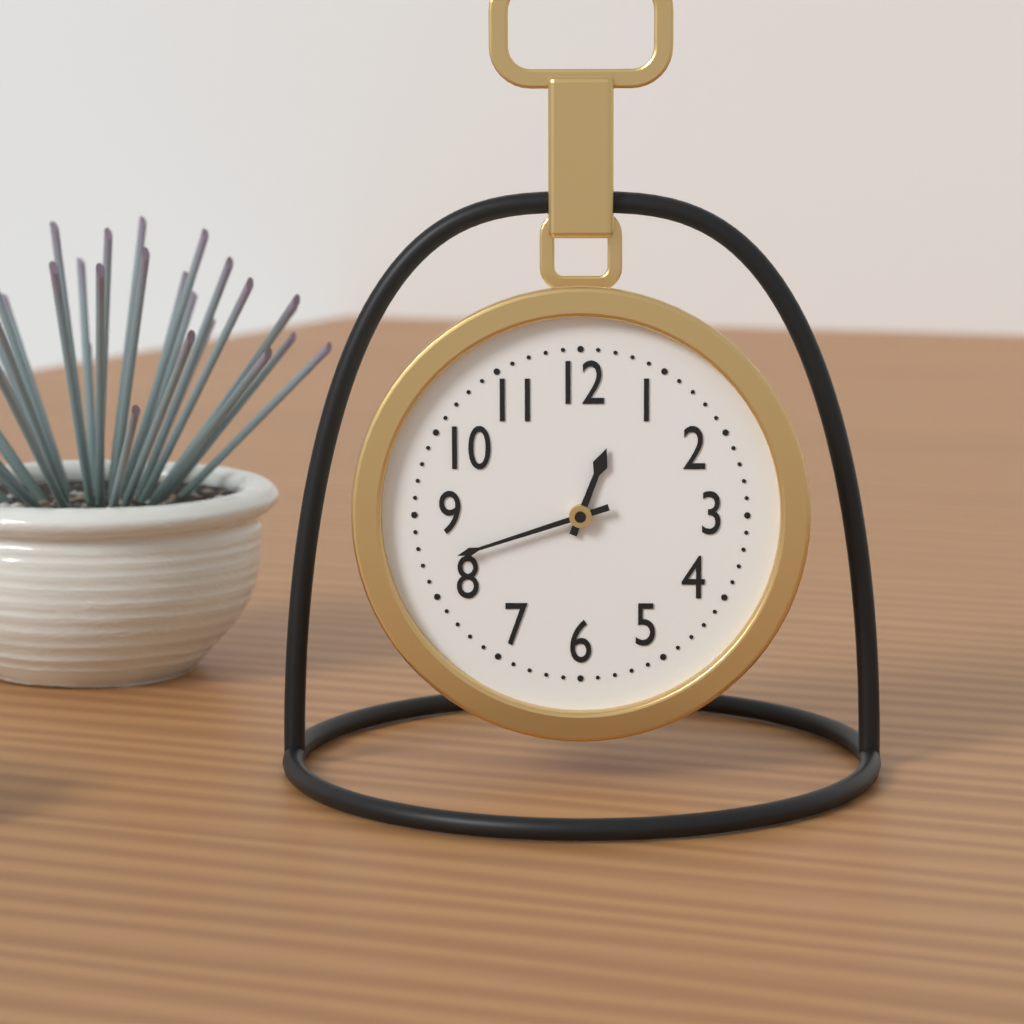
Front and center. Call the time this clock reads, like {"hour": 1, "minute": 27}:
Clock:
{"hour": 12, "minute": 42}
